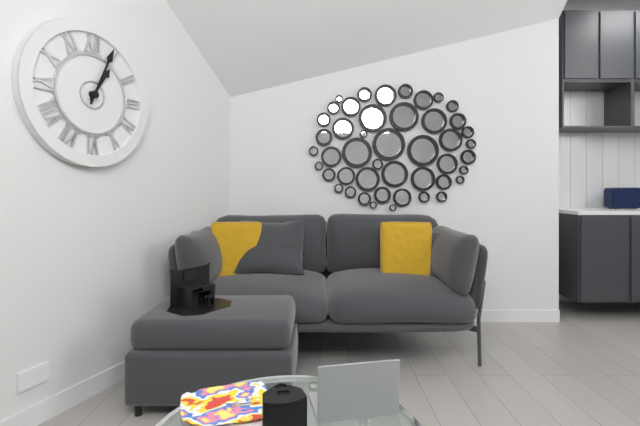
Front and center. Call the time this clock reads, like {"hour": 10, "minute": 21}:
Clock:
{"hour": 1, "minute": 4}
